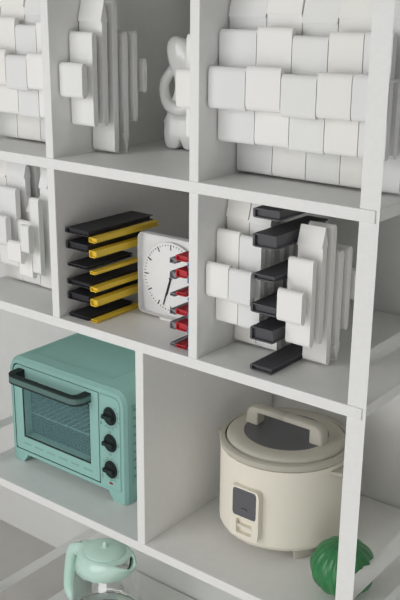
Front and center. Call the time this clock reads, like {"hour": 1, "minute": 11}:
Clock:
{"hour": 6, "minute": 33}
